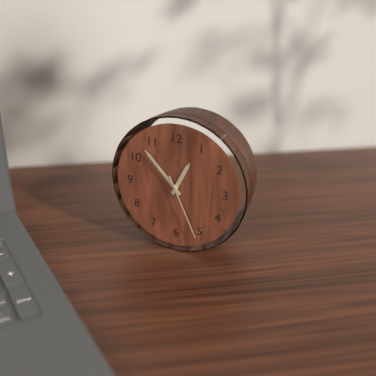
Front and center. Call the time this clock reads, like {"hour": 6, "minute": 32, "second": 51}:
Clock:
{"hour": 12, "minute": 53, "second": 26}
